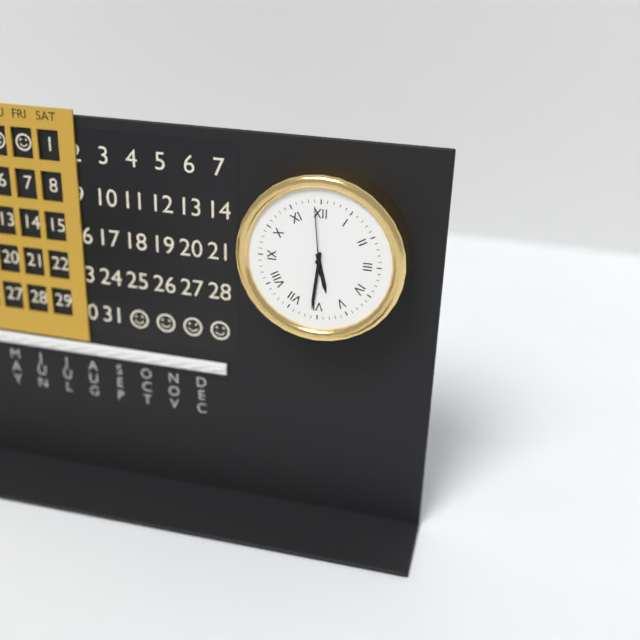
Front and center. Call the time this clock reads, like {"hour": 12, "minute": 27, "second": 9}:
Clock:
{"hour": 5, "minute": 31, "second": 59}
